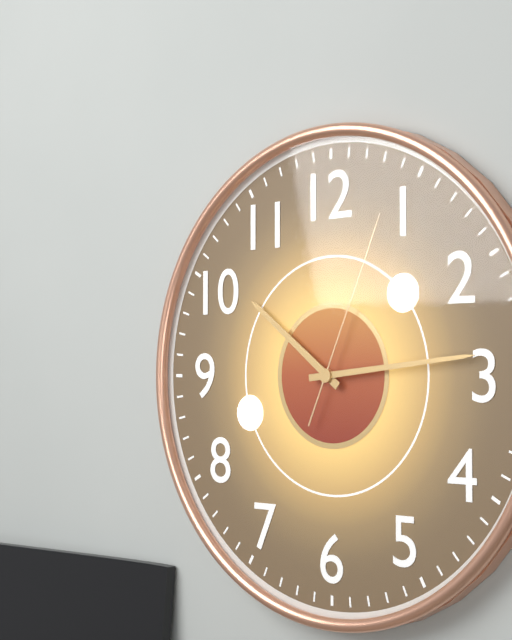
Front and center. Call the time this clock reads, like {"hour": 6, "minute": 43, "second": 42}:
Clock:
{"hour": 10, "minute": 14, "second": 4}
